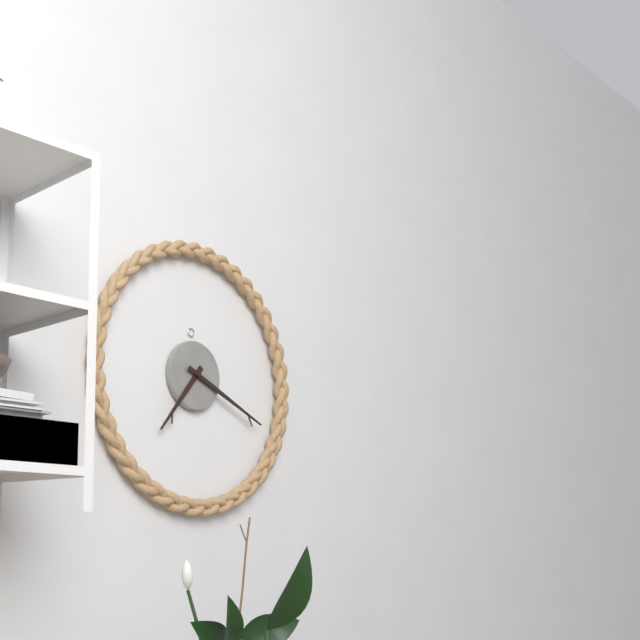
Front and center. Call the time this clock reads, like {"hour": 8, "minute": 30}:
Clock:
{"hour": 7, "minute": 19}
